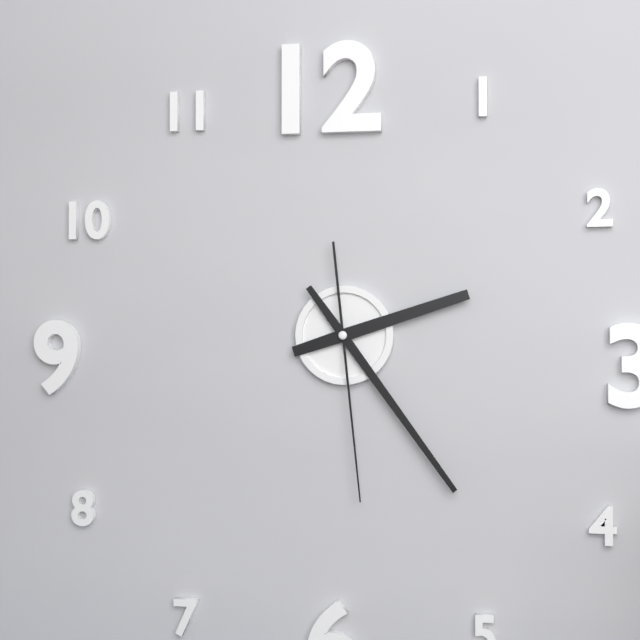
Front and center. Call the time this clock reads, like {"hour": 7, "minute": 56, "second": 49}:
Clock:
{"hour": 2, "minute": 24, "second": 29}
